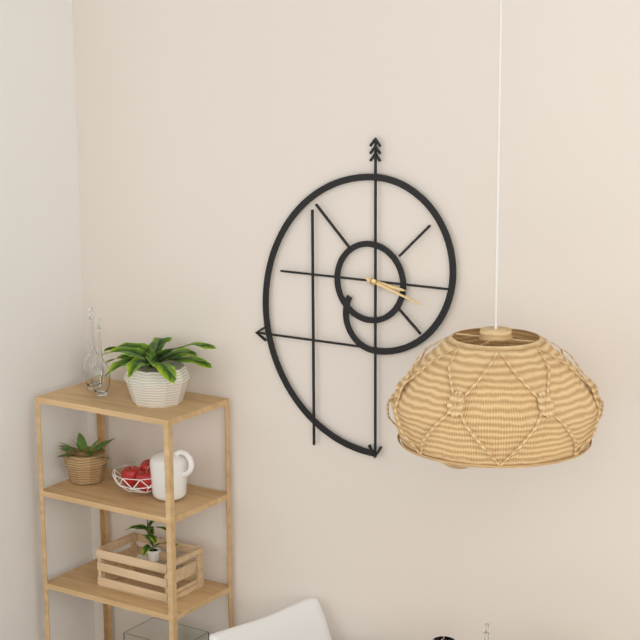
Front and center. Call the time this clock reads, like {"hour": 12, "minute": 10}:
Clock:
{"hour": 3, "minute": 18}
